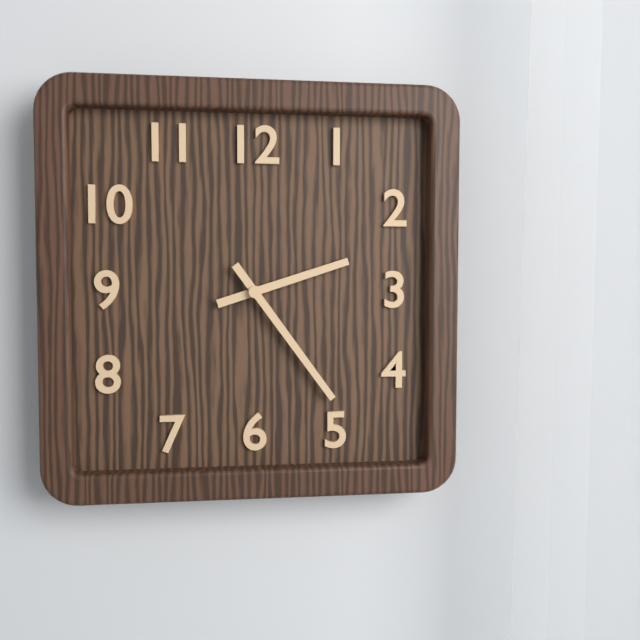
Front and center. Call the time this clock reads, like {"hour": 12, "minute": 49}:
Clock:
{"hour": 2, "minute": 24}
